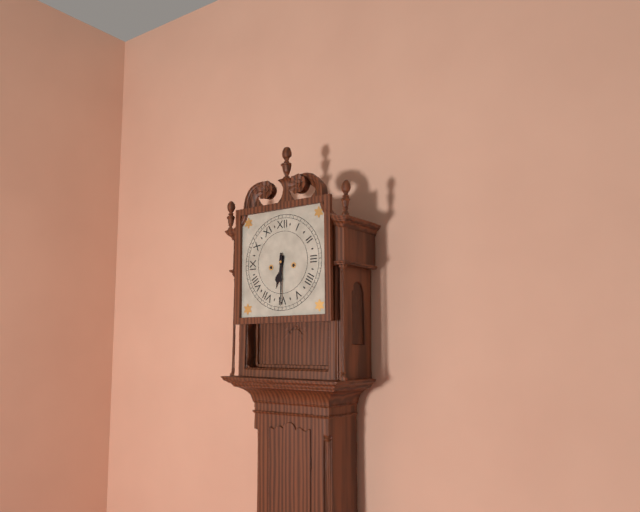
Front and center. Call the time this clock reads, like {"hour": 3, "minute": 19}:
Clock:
{"hour": 6, "minute": 30}
